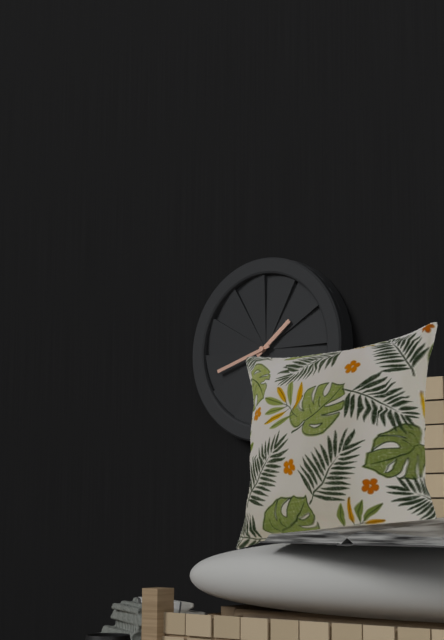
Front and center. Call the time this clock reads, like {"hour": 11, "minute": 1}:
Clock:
{"hour": 1, "minute": 42}
